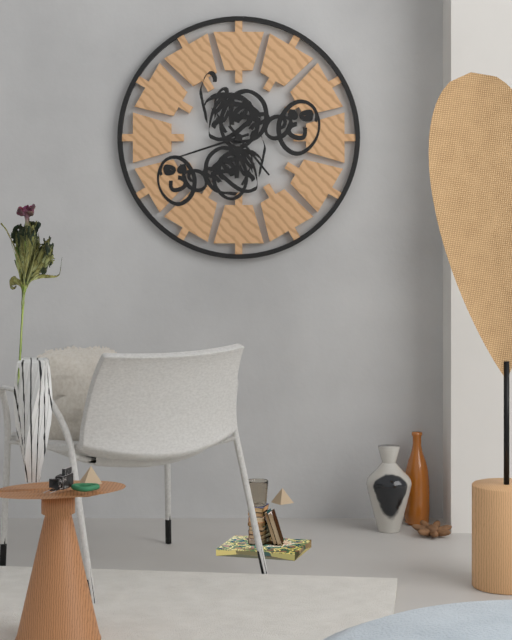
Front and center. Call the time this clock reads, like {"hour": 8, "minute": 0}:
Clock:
{"hour": 4, "minute": 42}
